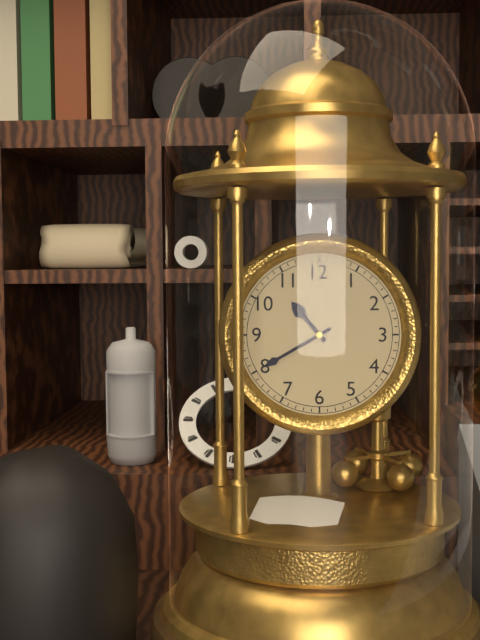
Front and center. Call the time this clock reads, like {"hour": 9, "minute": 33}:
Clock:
{"hour": 10, "minute": 40}
